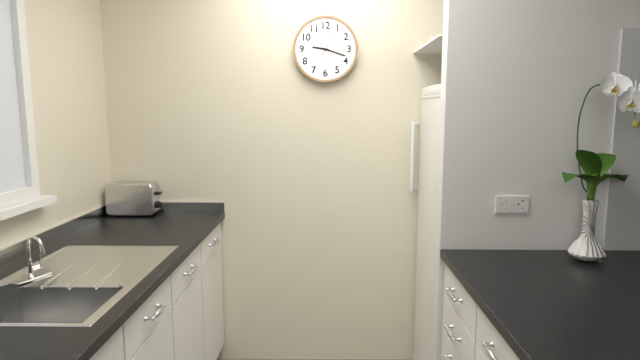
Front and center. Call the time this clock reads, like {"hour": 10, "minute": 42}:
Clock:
{"hour": 9, "minute": 18}
